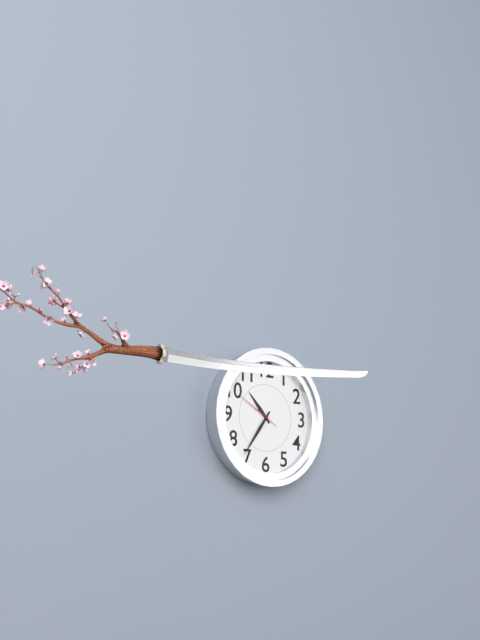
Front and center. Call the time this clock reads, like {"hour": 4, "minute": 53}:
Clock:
{"hour": 10, "minute": 36}
